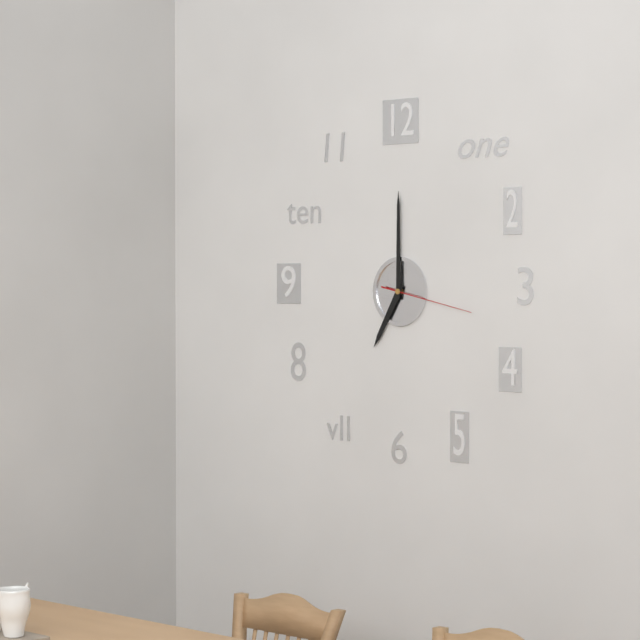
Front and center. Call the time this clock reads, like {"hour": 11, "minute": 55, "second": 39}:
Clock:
{"hour": 7, "minute": 0, "second": 17}
